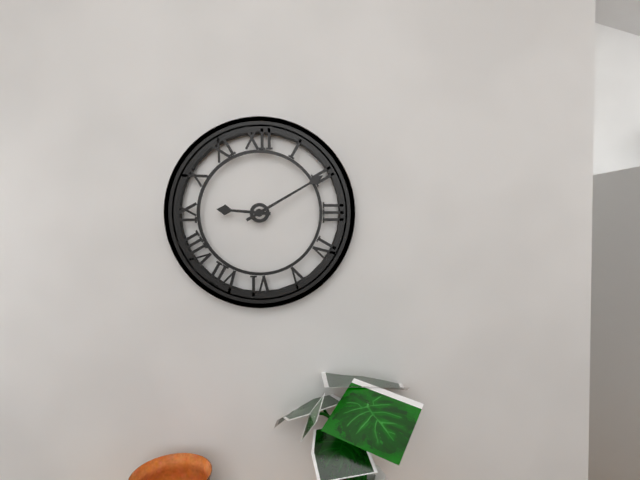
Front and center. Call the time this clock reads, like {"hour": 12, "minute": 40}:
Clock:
{"hour": 9, "minute": 10}
